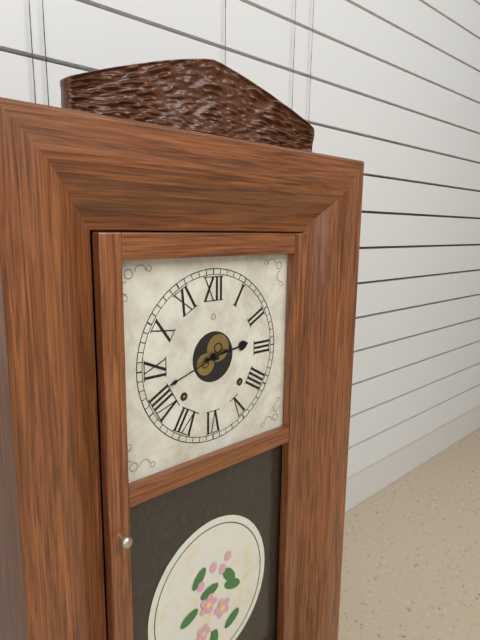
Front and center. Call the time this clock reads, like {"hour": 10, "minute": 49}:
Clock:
{"hour": 2, "minute": 42}
